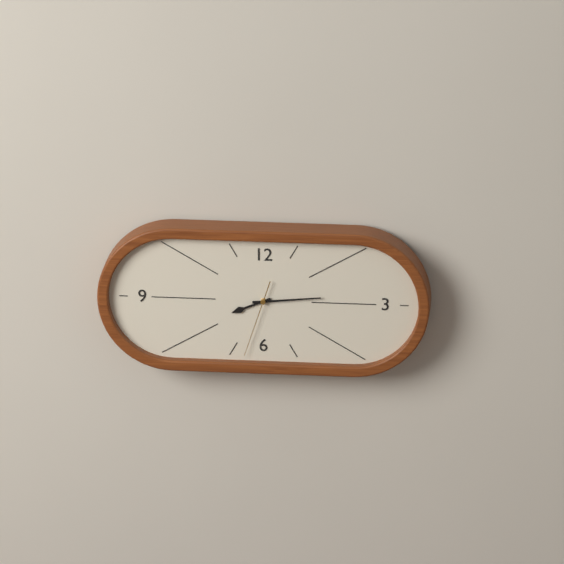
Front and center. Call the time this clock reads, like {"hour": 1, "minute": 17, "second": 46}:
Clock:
{"hour": 8, "minute": 14, "second": 33}
